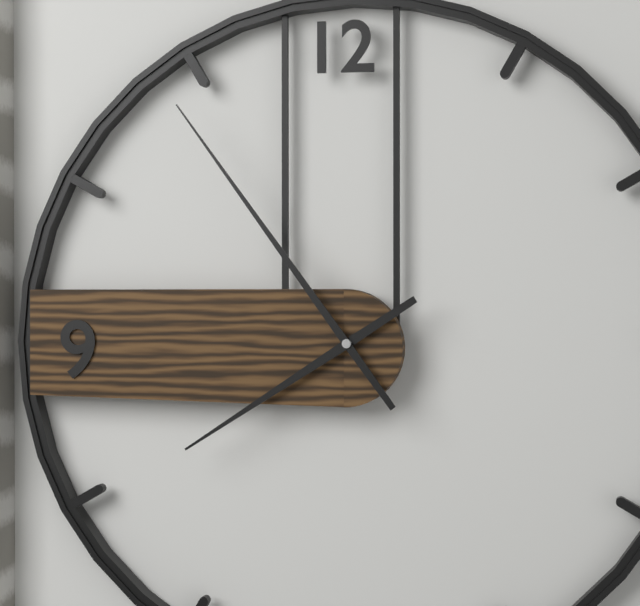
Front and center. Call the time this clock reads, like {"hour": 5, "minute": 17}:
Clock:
{"hour": 7, "minute": 54}
